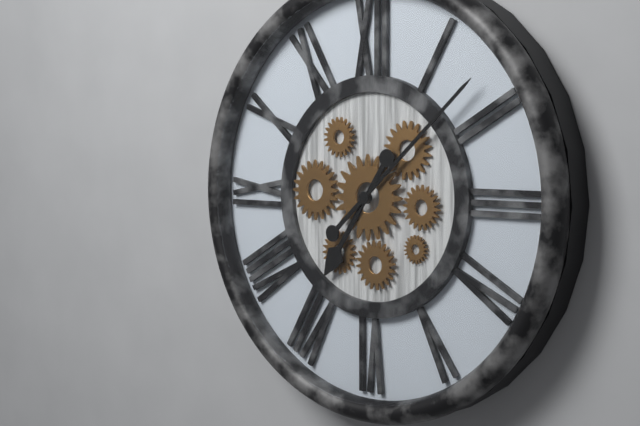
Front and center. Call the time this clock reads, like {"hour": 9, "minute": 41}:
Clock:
{"hour": 7, "minute": 8}
